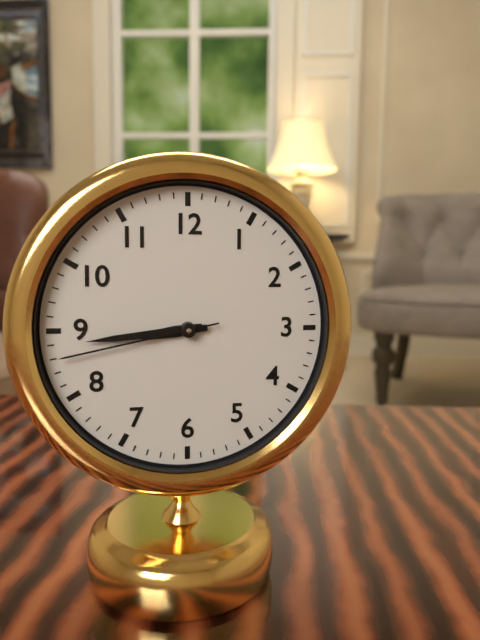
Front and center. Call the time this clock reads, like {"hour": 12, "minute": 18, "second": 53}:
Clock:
{"hour": 8, "minute": 44, "second": 43}
